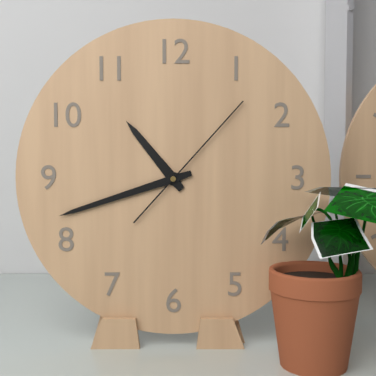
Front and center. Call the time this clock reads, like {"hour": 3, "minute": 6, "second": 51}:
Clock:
{"hour": 10, "minute": 42, "second": 7}
